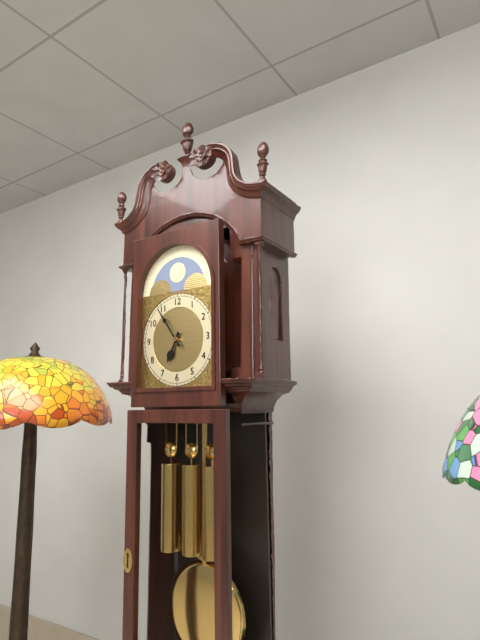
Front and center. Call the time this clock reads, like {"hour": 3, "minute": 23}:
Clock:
{"hour": 6, "minute": 54}
